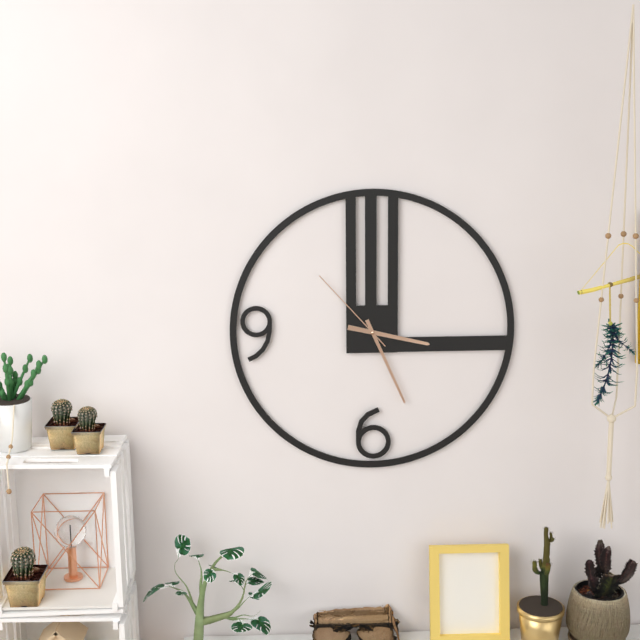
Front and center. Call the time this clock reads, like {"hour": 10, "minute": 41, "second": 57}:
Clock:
{"hour": 3, "minute": 26, "second": 53}
